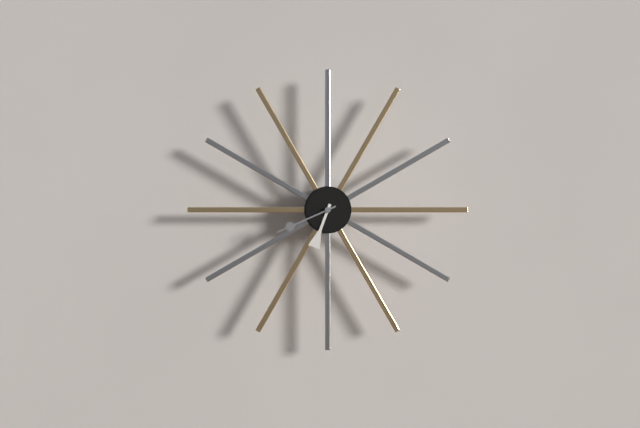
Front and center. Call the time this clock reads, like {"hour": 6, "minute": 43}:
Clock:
{"hour": 6, "minute": 41}
